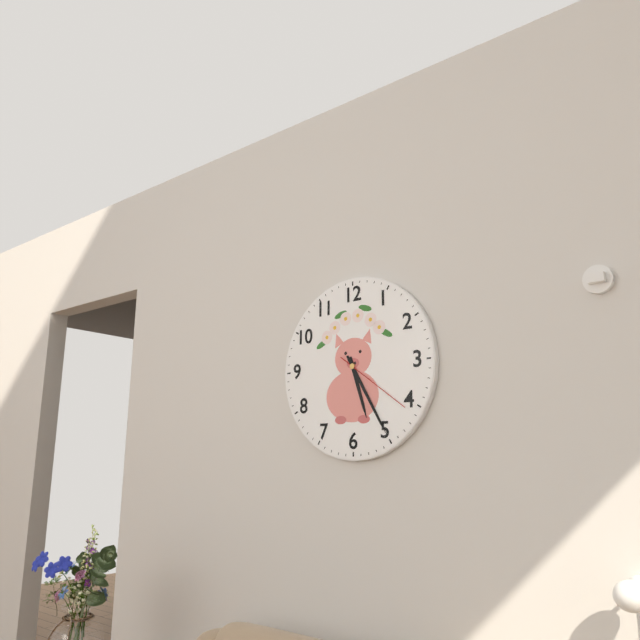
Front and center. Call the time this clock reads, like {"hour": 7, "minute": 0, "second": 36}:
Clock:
{"hour": 5, "minute": 25, "second": 21}
